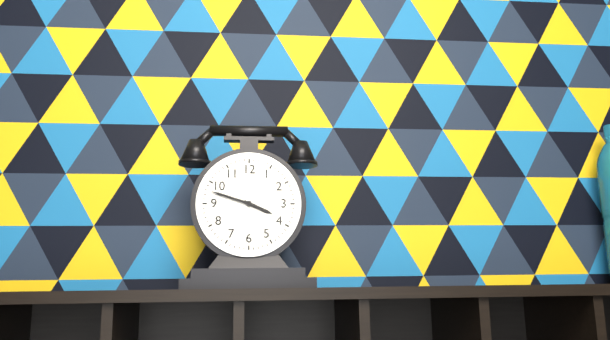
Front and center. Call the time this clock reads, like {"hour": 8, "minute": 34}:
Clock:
{"hour": 3, "minute": 48}
